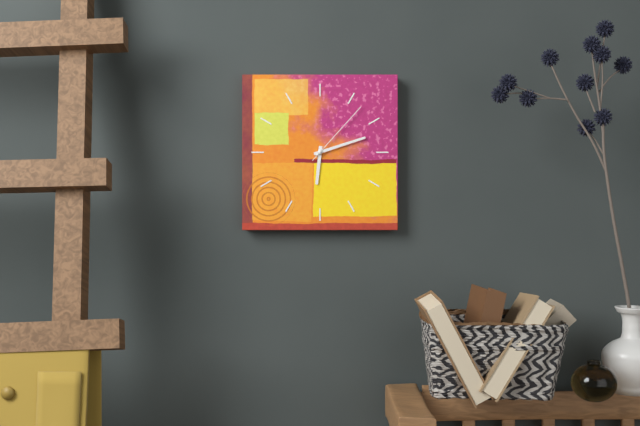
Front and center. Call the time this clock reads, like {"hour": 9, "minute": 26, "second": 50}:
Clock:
{"hour": 6, "minute": 12, "second": 7}
